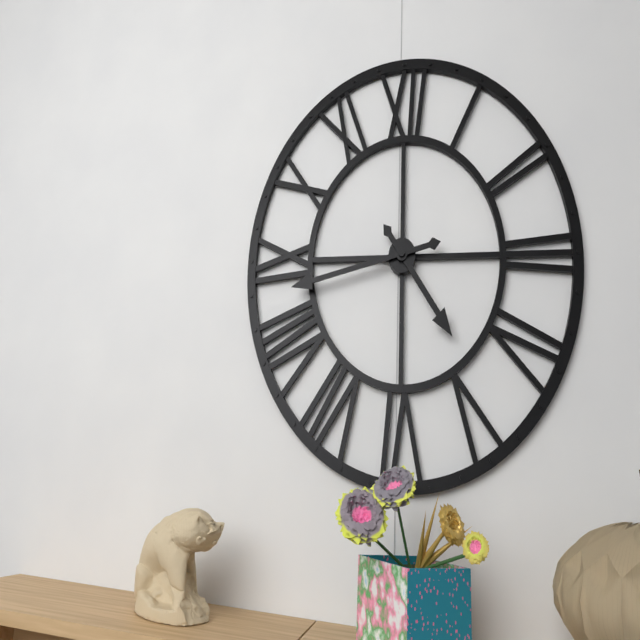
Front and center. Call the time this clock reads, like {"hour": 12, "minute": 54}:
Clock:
{"hour": 4, "minute": 43}
